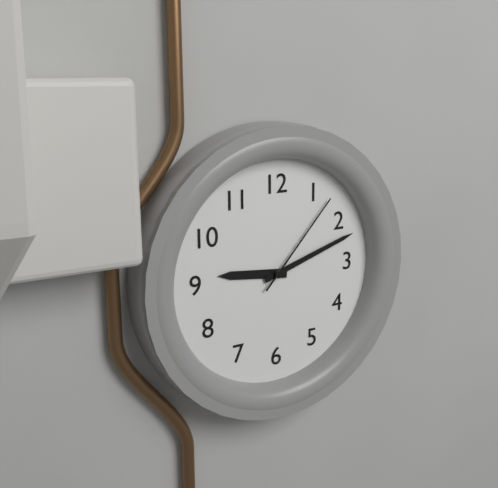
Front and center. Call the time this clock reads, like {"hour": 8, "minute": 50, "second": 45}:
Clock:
{"hour": 9, "minute": 12, "second": 7}
